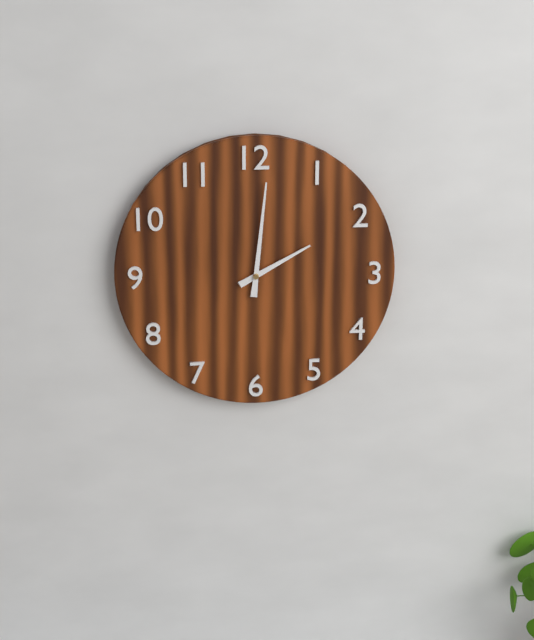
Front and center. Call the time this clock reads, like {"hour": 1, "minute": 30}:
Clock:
{"hour": 2, "minute": 1}
